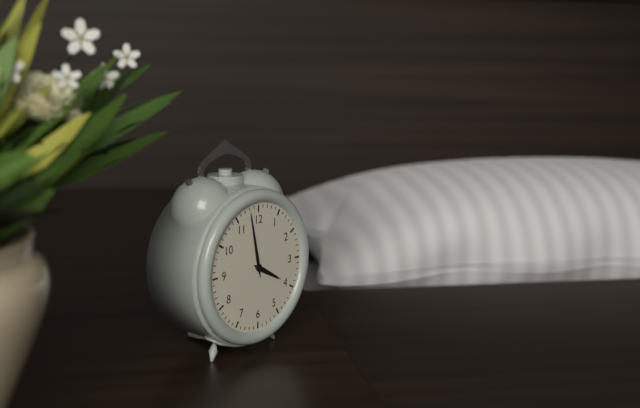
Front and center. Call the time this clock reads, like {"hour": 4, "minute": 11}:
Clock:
{"hour": 3, "minute": 58}
